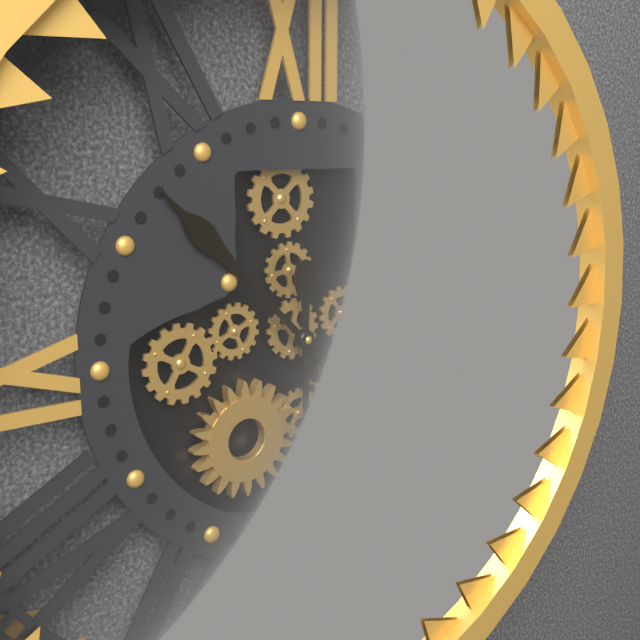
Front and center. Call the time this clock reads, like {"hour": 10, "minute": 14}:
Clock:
{"hour": 10, "minute": 30}
